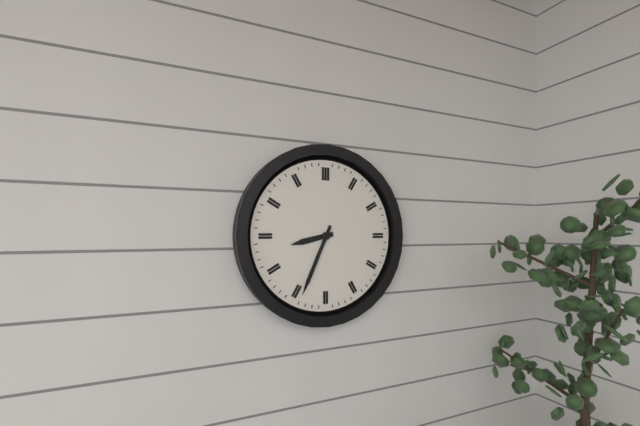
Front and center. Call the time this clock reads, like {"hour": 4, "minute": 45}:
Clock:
{"hour": 8, "minute": 34}
